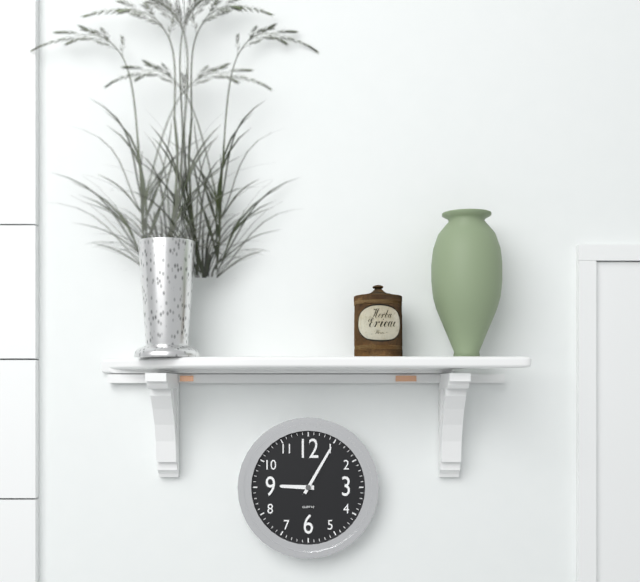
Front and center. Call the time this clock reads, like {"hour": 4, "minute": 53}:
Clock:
{"hour": 9, "minute": 5}
